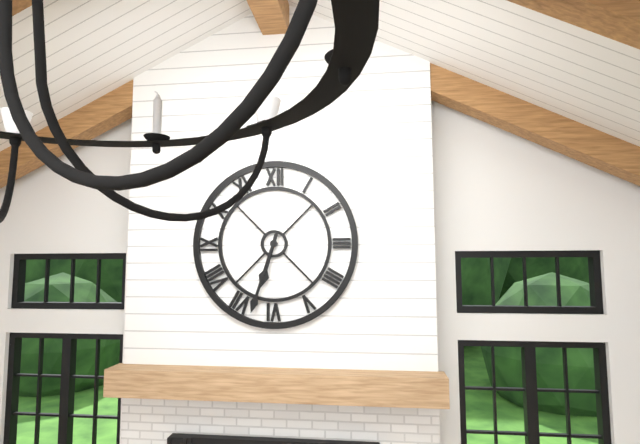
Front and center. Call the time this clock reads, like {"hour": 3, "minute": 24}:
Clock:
{"hour": 6, "minute": 33}
